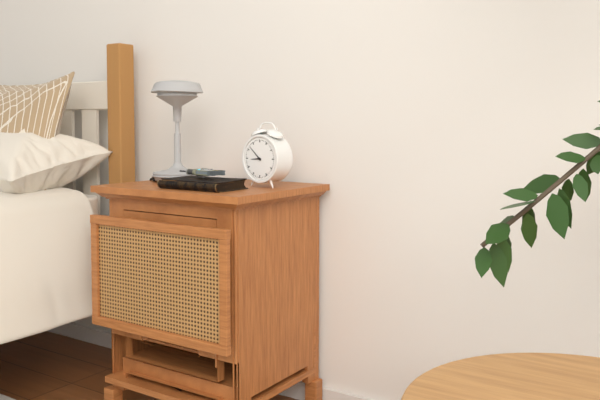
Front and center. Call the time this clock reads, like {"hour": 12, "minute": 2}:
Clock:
{"hour": 8, "minute": 52}
